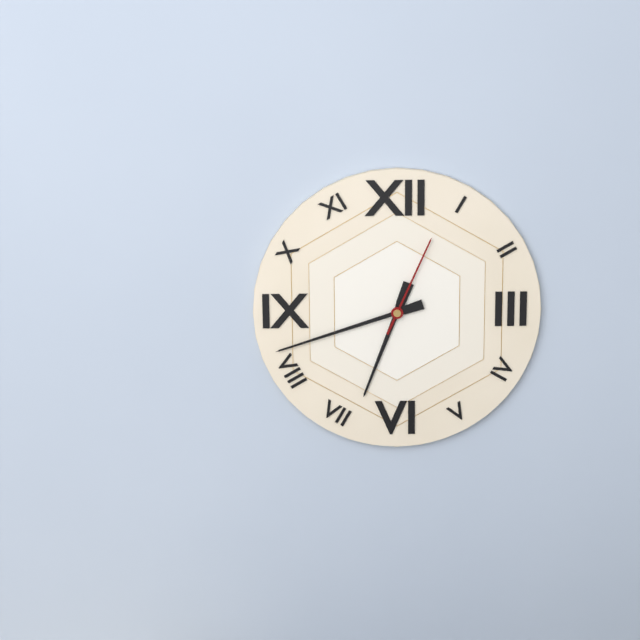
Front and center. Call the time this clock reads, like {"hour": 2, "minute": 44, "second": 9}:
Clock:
{"hour": 6, "minute": 42, "second": 4}
